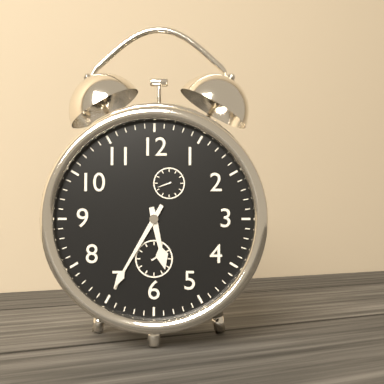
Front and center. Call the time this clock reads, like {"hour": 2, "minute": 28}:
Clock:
{"hour": 5, "minute": 35}
